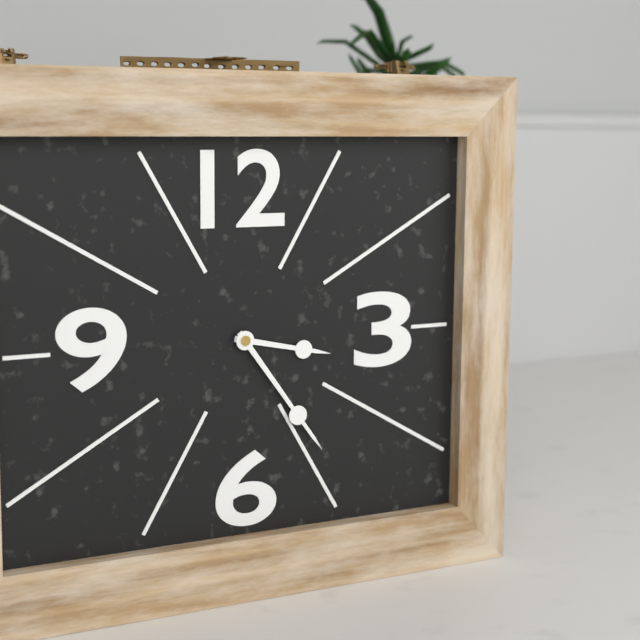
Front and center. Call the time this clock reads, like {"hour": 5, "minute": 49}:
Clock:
{"hour": 3, "minute": 24}
